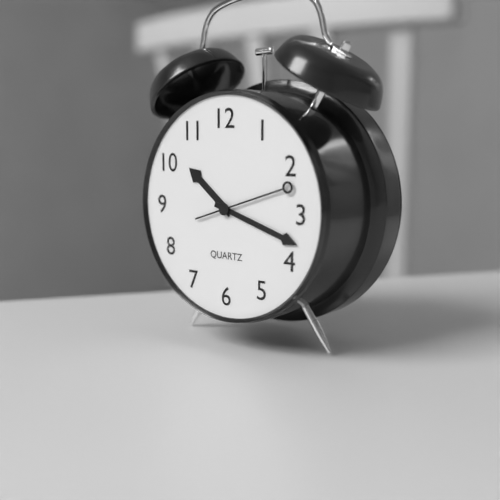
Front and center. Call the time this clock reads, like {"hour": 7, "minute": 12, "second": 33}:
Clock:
{"hour": 10, "minute": 18, "second": 12}
